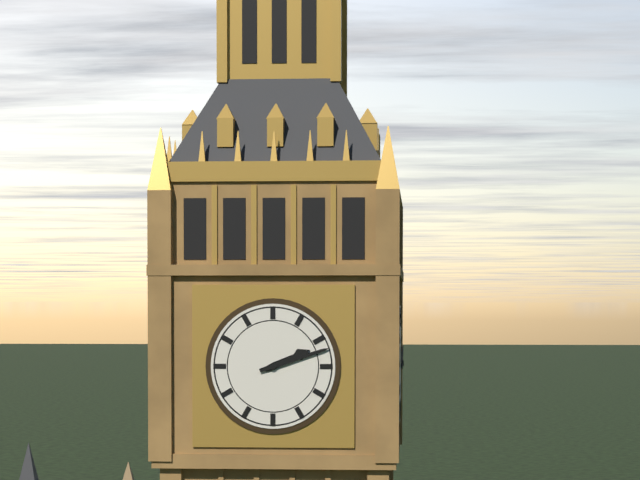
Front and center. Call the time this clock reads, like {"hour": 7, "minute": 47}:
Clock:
{"hour": 2, "minute": 12}
